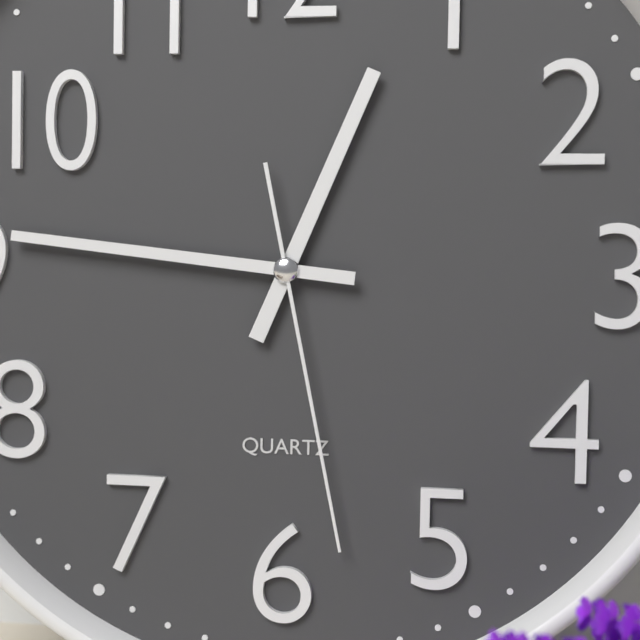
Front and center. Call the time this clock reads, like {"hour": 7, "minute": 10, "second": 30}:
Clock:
{"hour": 12, "minute": 46, "second": 28}
